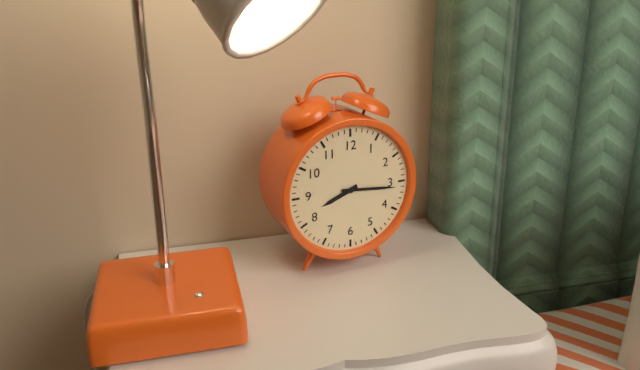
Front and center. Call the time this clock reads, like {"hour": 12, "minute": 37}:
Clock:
{"hour": 8, "minute": 16}
